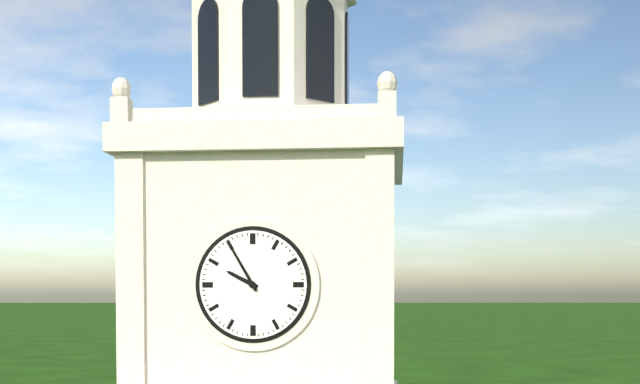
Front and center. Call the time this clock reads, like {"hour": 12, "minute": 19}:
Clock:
{"hour": 9, "minute": 55}
